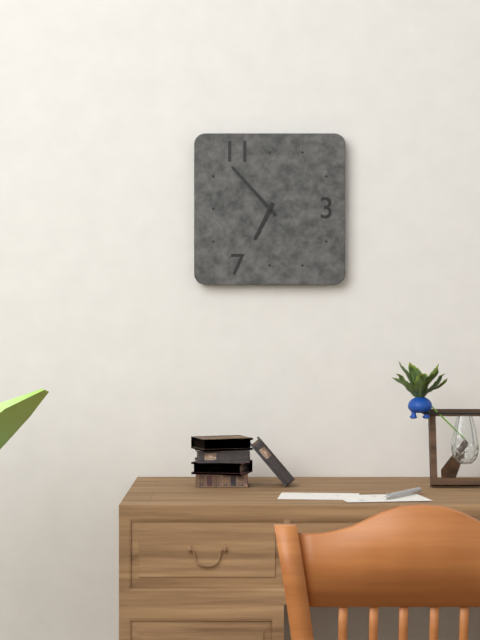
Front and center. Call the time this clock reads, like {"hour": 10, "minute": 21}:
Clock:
{"hour": 6, "minute": 53}
